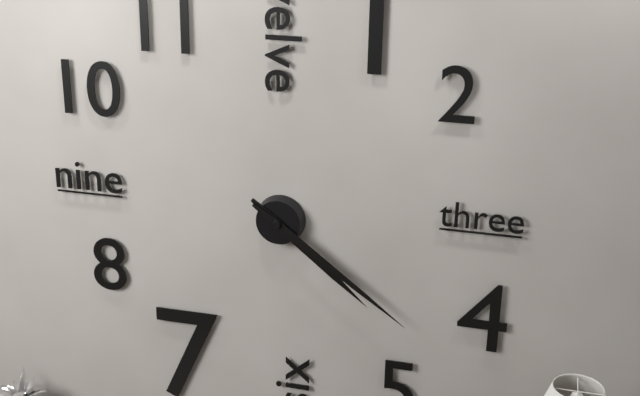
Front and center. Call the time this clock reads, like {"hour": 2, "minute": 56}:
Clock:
{"hour": 4, "minute": 21}
